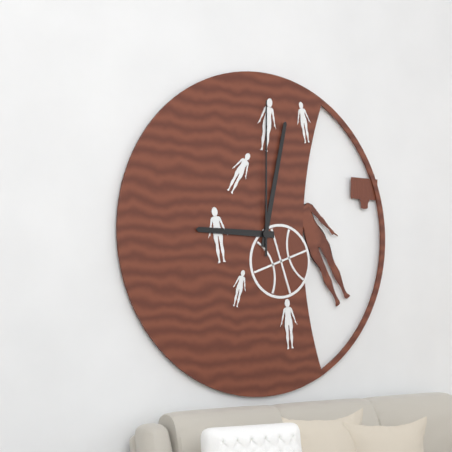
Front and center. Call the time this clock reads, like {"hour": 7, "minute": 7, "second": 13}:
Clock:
{"hour": 9, "minute": 2, "second": 0}
